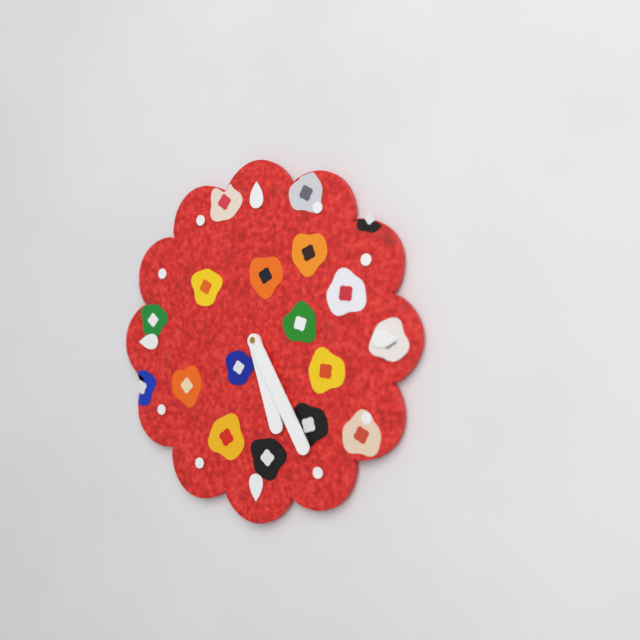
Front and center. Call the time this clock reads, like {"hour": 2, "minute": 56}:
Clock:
{"hour": 5, "minute": 25}
